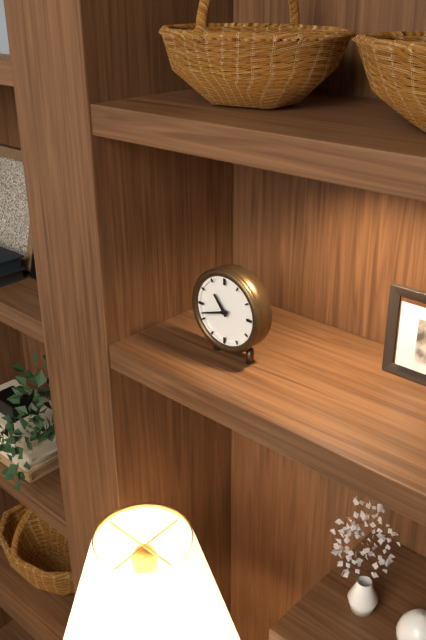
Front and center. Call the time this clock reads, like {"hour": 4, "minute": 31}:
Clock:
{"hour": 10, "minute": 42}
